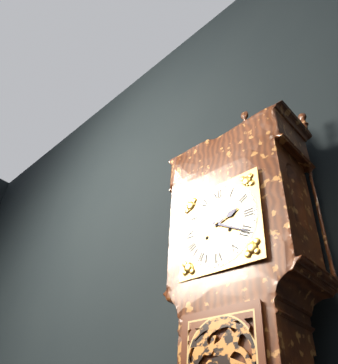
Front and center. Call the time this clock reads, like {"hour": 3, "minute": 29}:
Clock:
{"hour": 2, "minute": 20}
